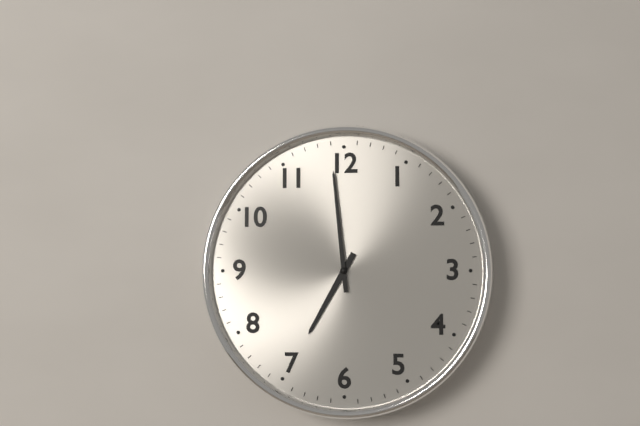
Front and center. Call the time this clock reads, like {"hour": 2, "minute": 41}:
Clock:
{"hour": 6, "minute": 59}
